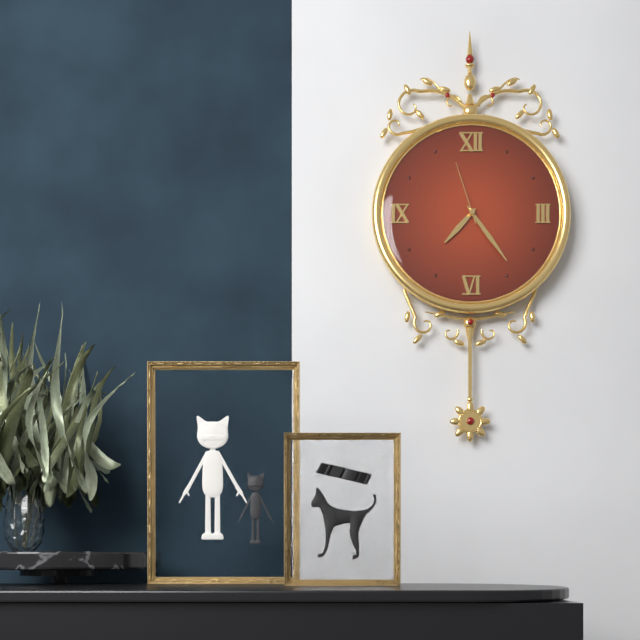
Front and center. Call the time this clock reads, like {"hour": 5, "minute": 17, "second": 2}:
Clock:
{"hour": 7, "minute": 24, "second": 57}
